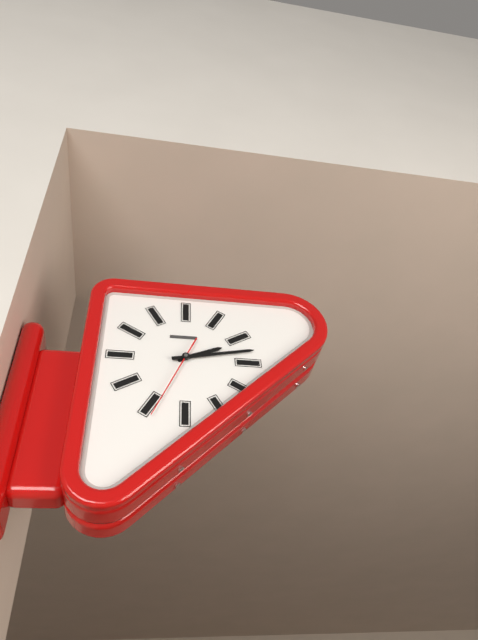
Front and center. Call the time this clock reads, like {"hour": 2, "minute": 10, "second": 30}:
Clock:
{"hour": 2, "minute": 13, "second": 34}
